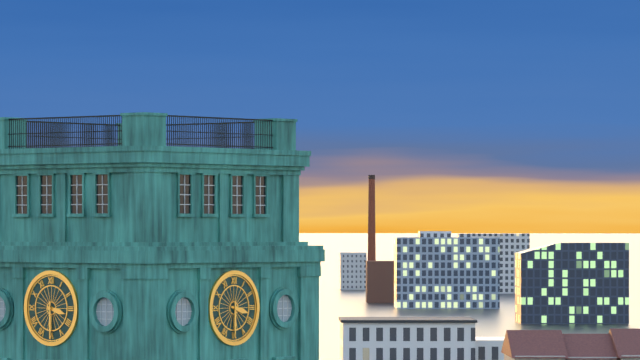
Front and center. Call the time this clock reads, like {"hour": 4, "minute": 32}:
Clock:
{"hour": 3, "minute": 30}
